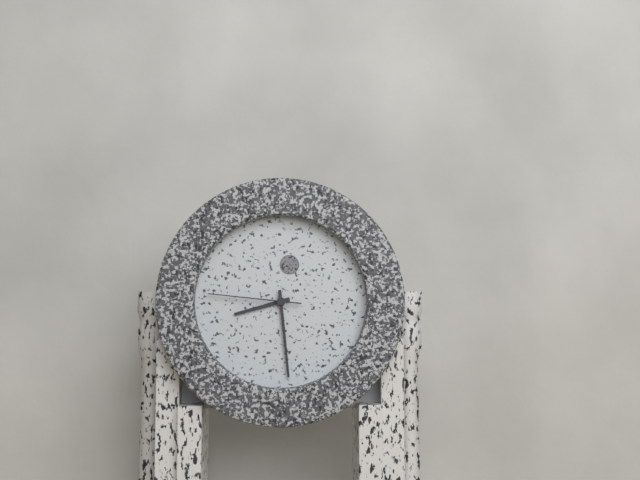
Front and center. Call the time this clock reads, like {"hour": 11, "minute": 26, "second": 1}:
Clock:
{"hour": 8, "minute": 29, "second": 46}
